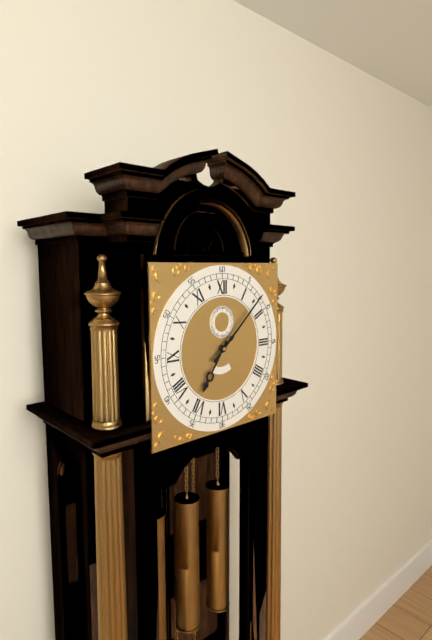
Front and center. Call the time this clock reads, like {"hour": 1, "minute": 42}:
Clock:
{"hour": 7, "minute": 8}
